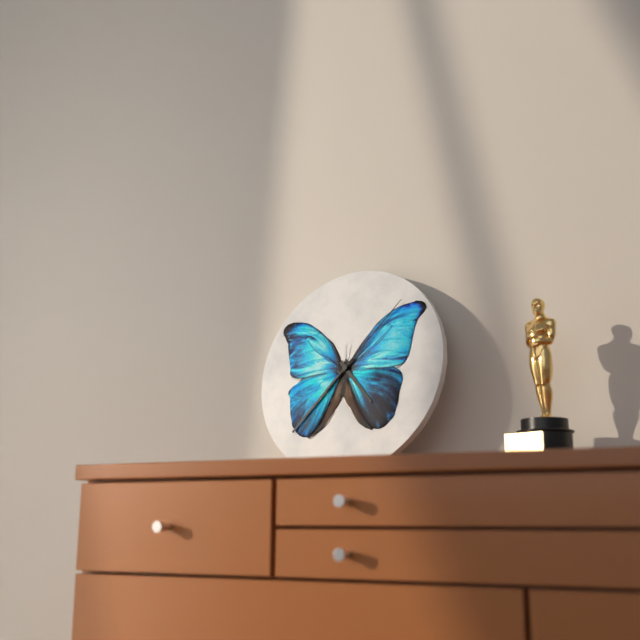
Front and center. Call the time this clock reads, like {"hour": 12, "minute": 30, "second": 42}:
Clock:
{"hour": 4, "minute": 37, "second": 7}
